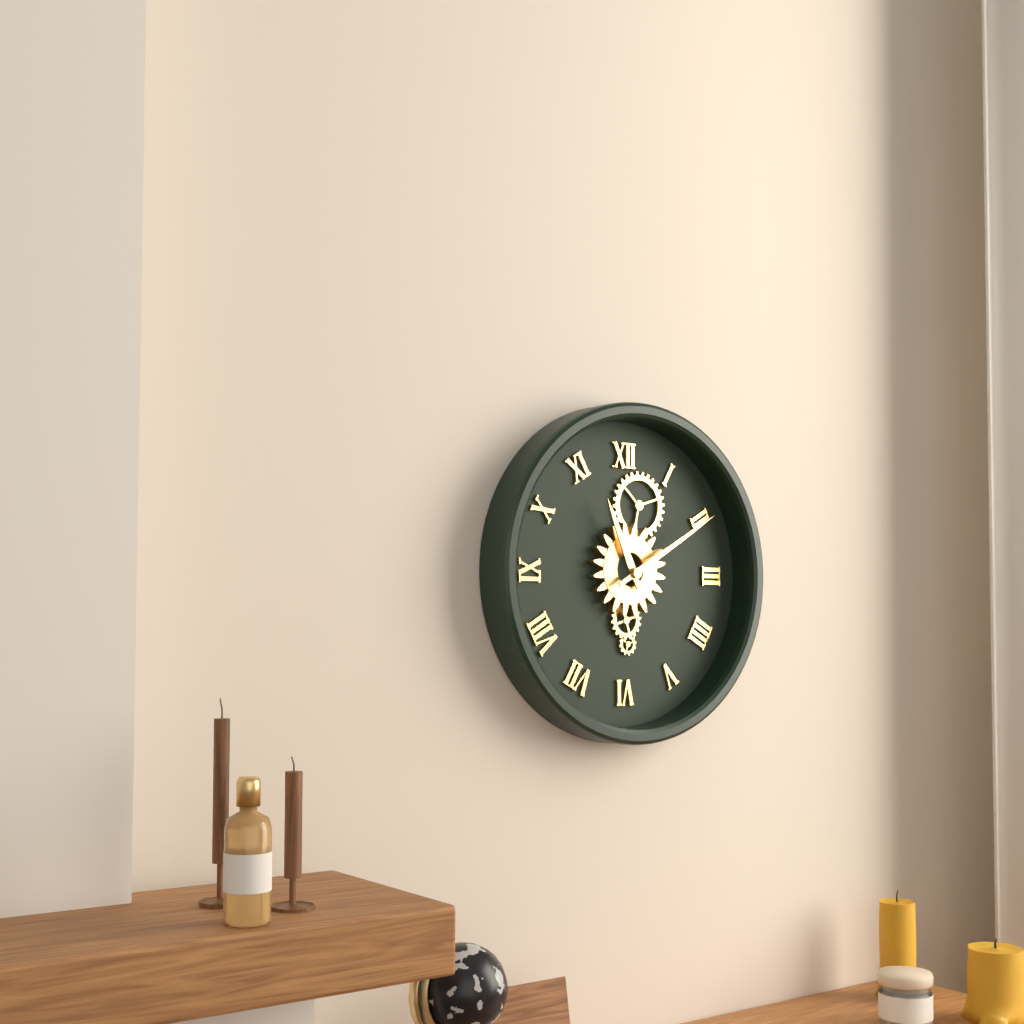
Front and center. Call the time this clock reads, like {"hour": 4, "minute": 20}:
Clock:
{"hour": 11, "minute": 10}
